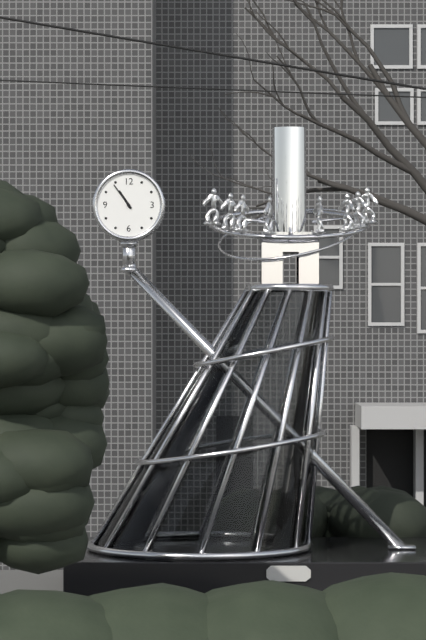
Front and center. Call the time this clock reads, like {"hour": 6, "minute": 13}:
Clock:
{"hour": 10, "minute": 54}
